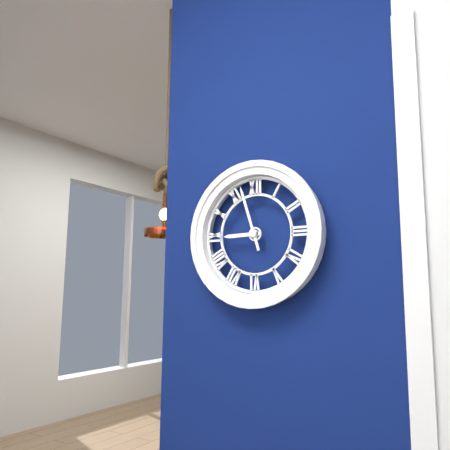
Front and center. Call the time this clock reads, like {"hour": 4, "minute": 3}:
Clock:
{"hour": 8, "minute": 57}
